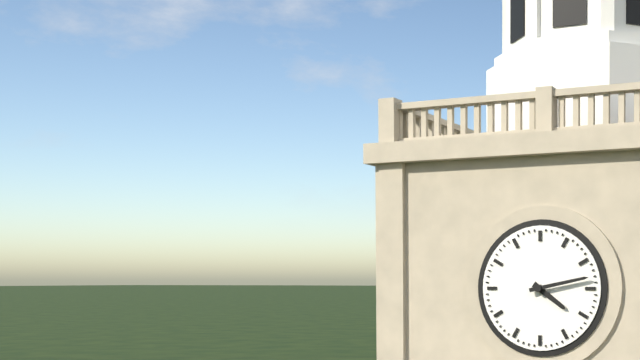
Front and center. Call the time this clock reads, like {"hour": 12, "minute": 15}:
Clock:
{"hour": 4, "minute": 13}
